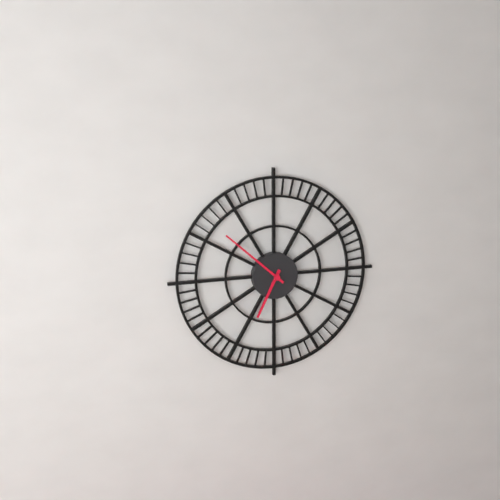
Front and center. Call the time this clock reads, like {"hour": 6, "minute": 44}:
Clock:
{"hour": 6, "minute": 52}
